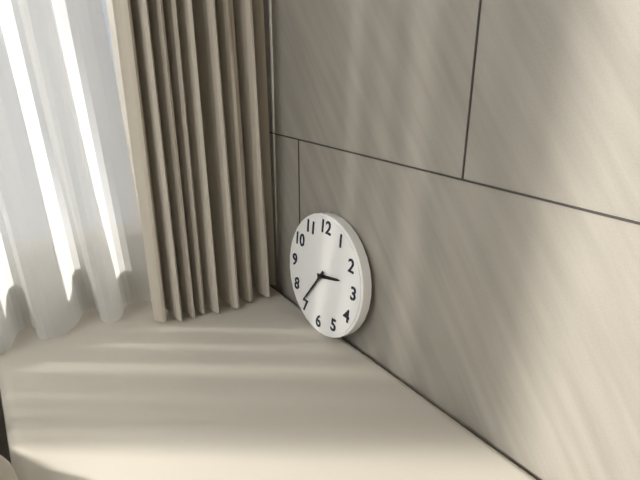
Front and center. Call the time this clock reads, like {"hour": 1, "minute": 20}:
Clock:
{"hour": 2, "minute": 36}
